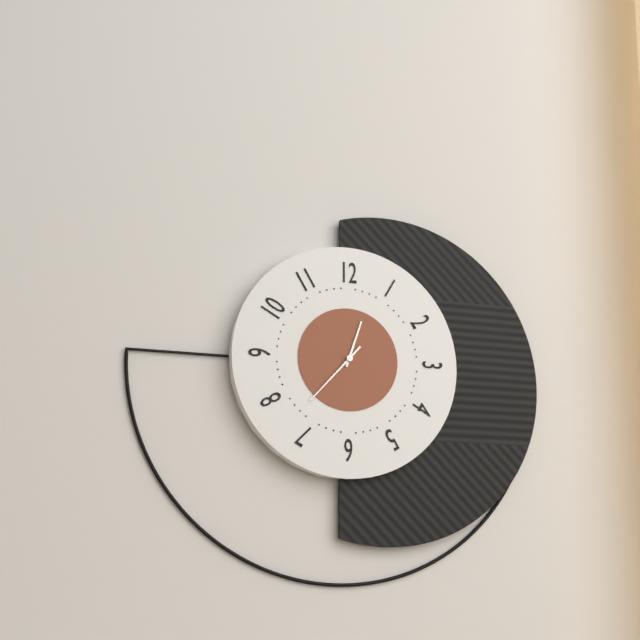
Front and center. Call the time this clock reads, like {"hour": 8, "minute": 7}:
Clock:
{"hour": 12, "minute": 37}
